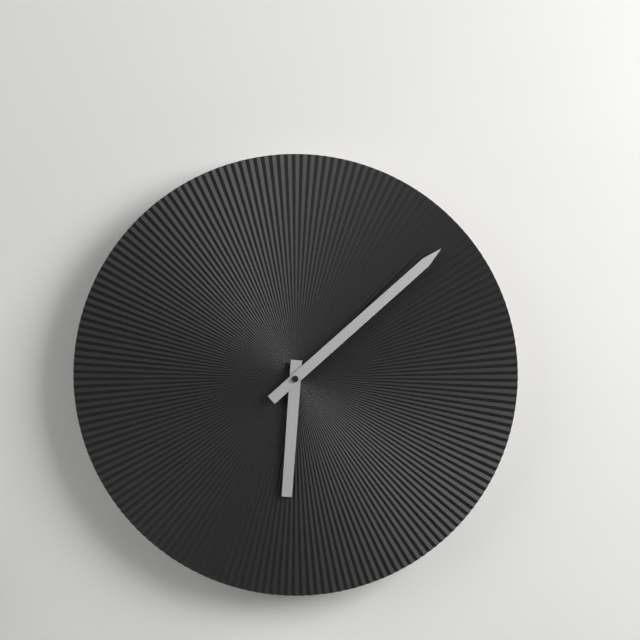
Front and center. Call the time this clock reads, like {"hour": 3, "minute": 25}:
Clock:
{"hour": 6, "minute": 8}
